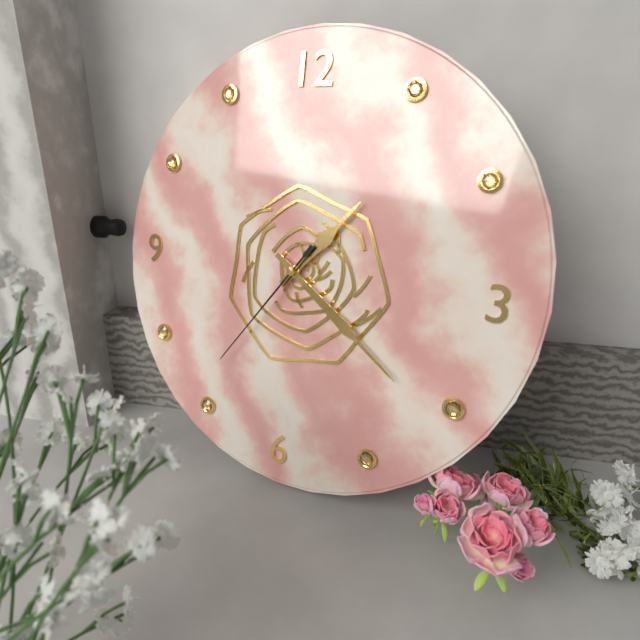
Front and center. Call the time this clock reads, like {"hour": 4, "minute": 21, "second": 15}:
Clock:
{"hour": 1, "minute": 21, "second": 36}
